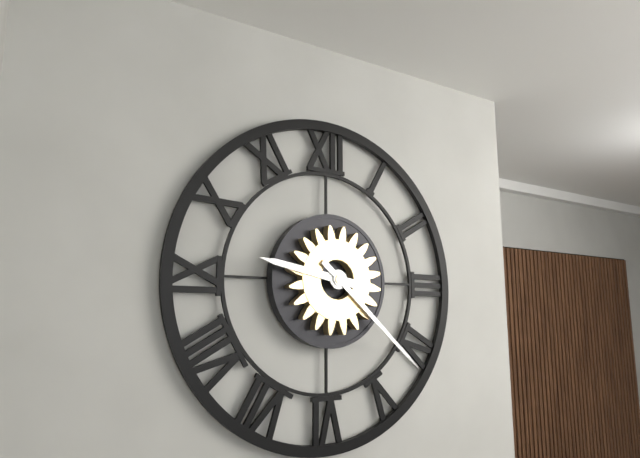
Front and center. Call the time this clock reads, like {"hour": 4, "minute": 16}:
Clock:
{"hour": 9, "minute": 22}
